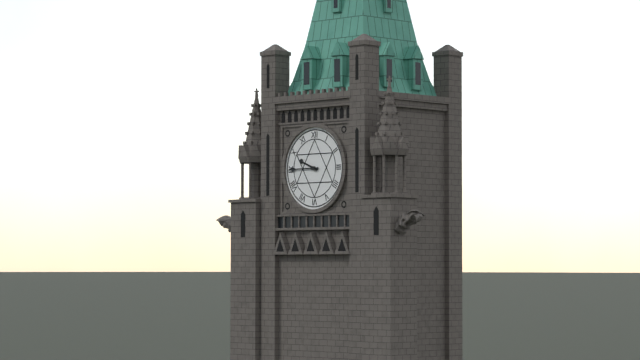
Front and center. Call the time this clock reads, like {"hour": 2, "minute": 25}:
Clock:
{"hour": 9, "minute": 45}
